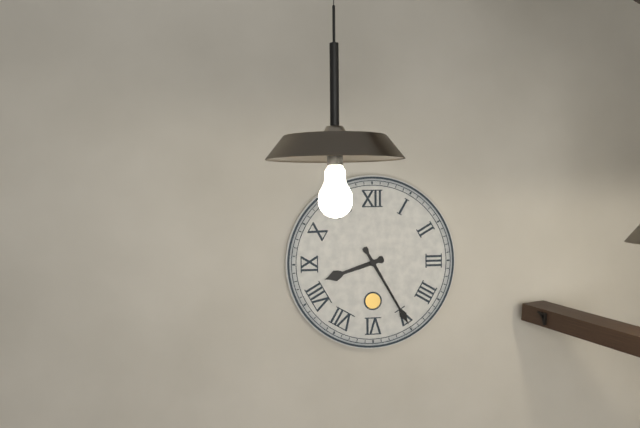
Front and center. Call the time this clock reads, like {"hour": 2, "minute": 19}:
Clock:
{"hour": 8, "minute": 25}
